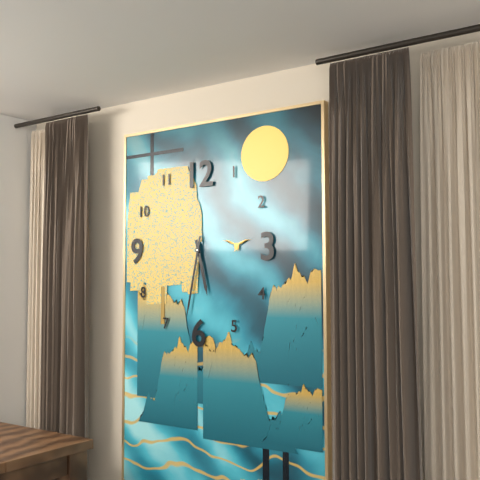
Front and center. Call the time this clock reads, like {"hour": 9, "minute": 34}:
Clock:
{"hour": 5, "minute": 32}
